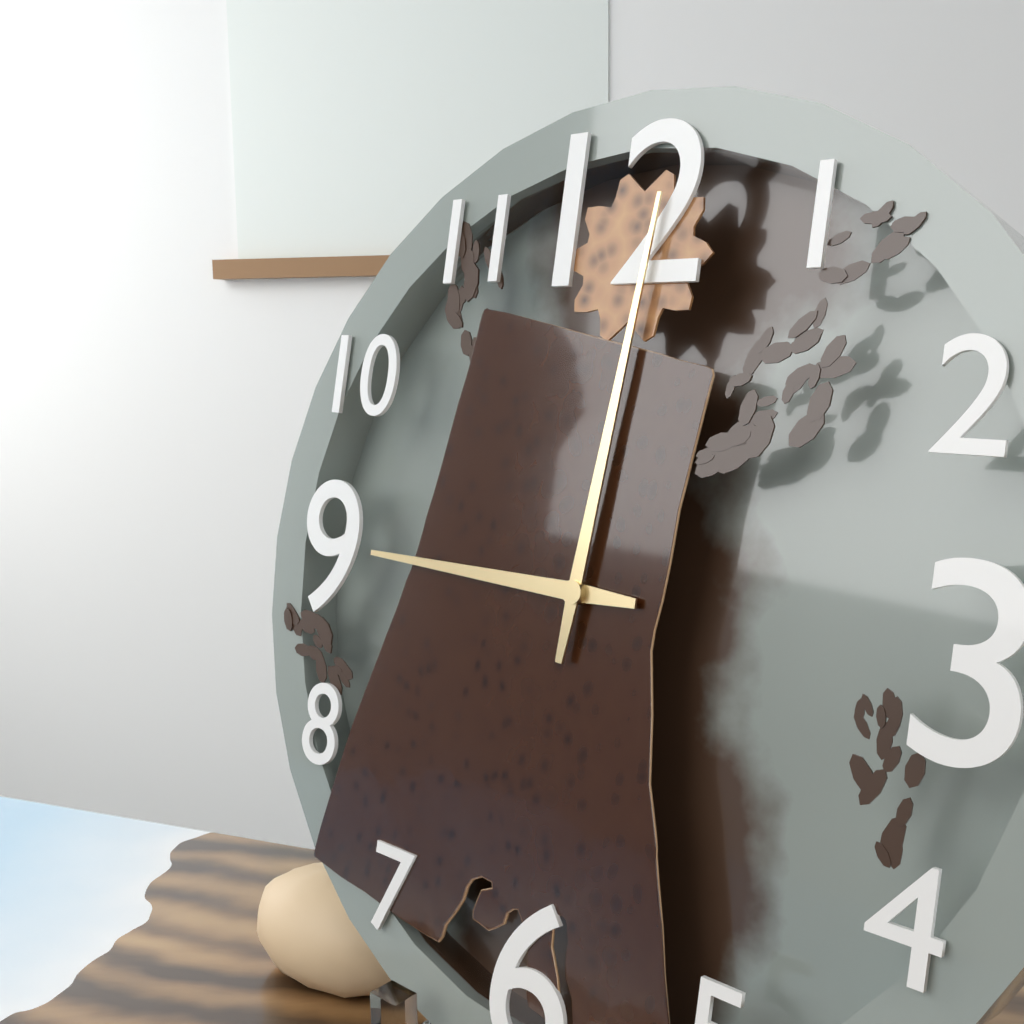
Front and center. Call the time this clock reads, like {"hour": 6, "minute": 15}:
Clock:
{"hour": 9, "minute": 1}
